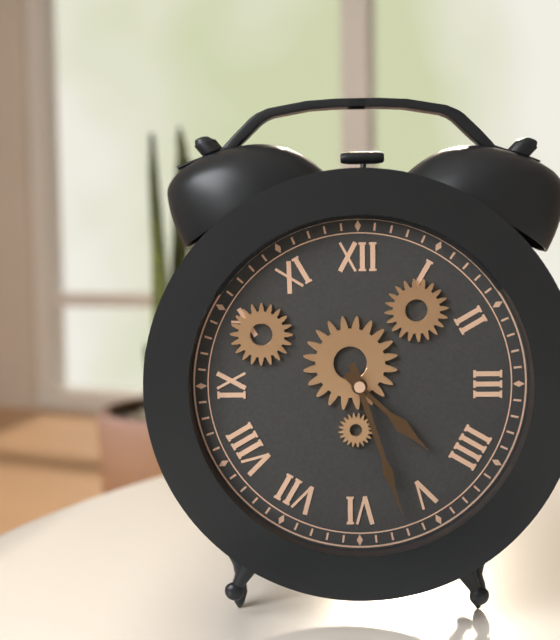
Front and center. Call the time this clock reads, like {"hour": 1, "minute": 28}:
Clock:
{"hour": 4, "minute": 27}
